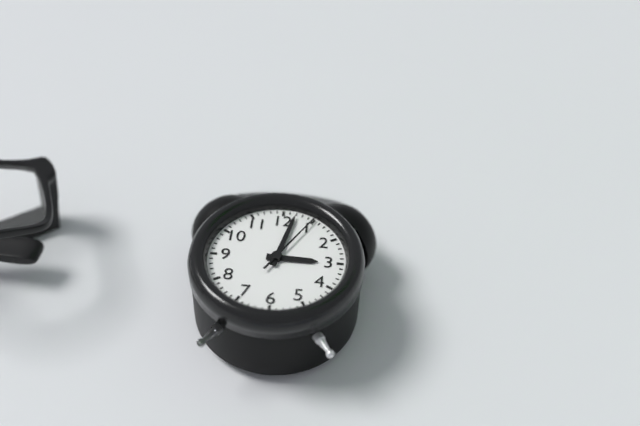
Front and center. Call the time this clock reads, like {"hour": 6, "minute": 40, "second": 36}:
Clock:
{"hour": 3, "minute": 2, "second": 5}
